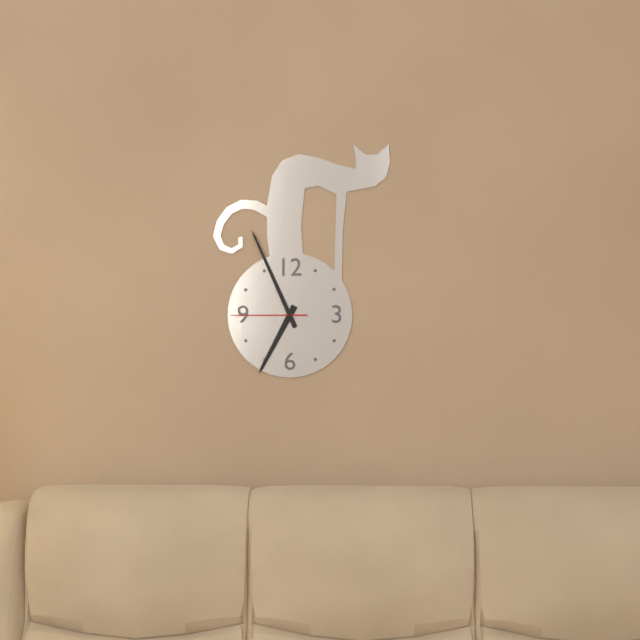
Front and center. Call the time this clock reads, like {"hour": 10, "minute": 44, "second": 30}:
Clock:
{"hour": 6, "minute": 56, "second": 45}
